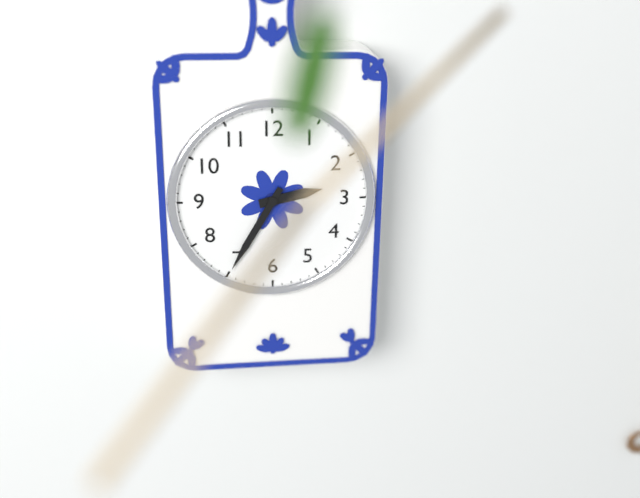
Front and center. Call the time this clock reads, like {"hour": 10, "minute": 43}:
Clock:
{"hour": 2, "minute": 35}
